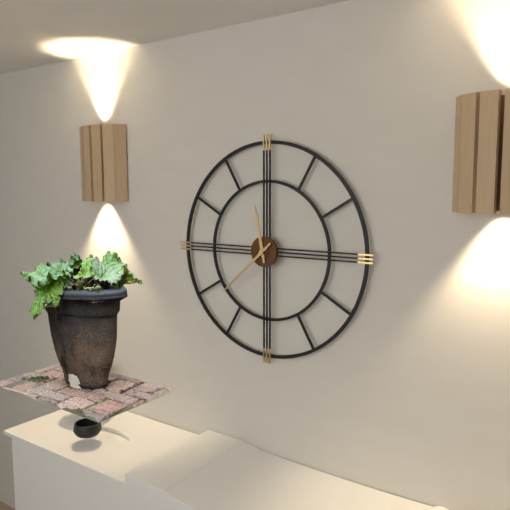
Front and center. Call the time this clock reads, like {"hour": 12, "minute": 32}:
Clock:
{"hour": 11, "minute": 38}
